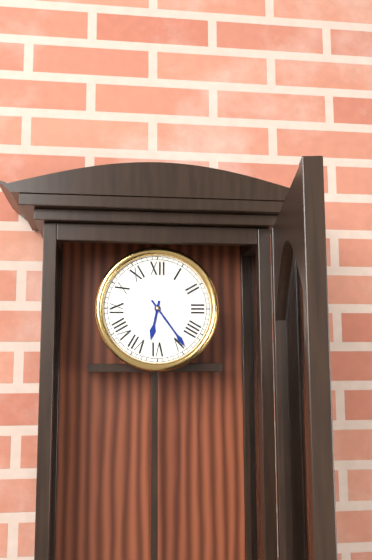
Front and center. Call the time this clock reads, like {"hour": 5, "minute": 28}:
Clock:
{"hour": 6, "minute": 24}
